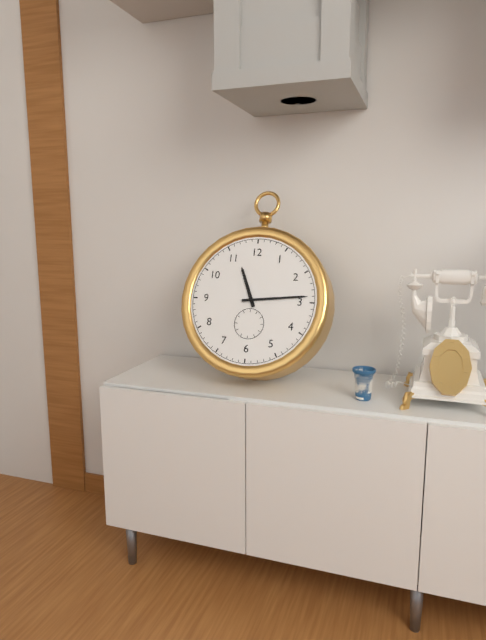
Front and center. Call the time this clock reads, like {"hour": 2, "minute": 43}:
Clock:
{"hour": 11, "minute": 14}
